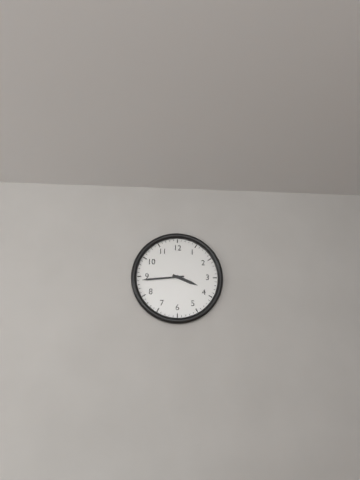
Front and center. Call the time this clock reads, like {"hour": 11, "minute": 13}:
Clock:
{"hour": 3, "minute": 44}
